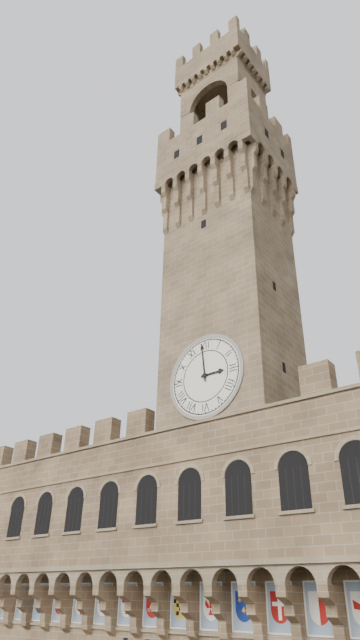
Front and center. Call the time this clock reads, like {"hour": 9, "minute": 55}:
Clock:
{"hour": 2, "minute": 59}
